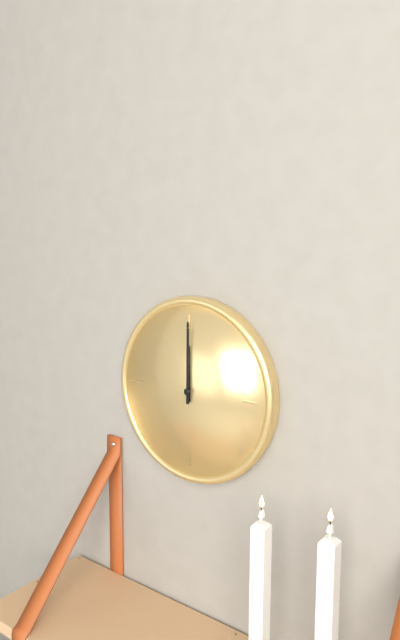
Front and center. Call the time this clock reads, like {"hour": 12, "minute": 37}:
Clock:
{"hour": 12, "minute": 0}
